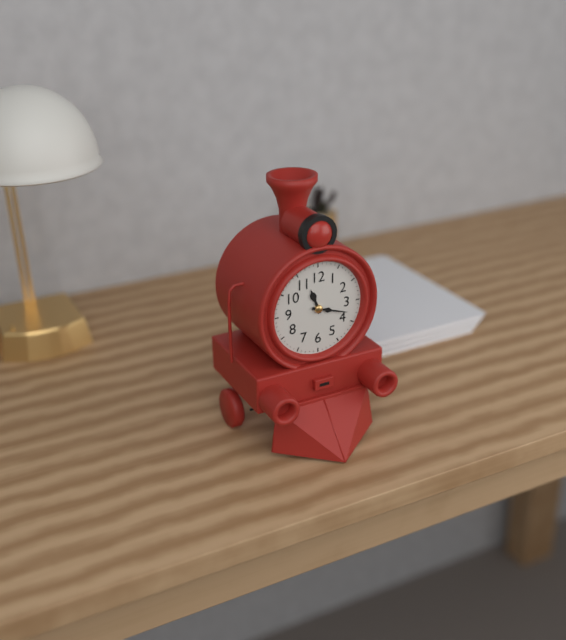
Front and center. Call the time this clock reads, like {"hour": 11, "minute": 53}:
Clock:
{"hour": 11, "minute": 18}
